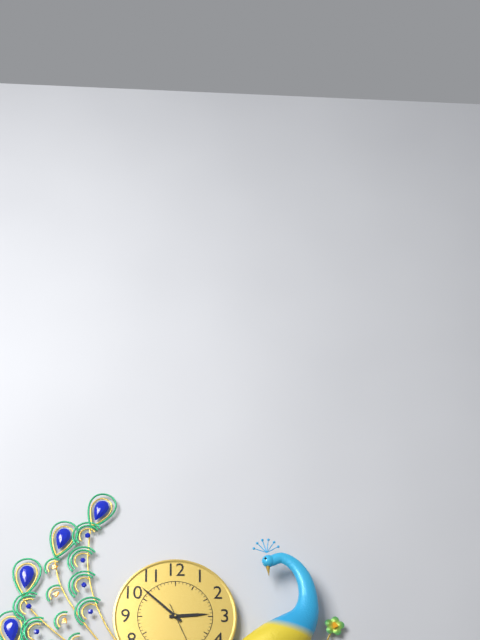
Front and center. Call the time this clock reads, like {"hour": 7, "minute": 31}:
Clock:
{"hour": 2, "minute": 52}
